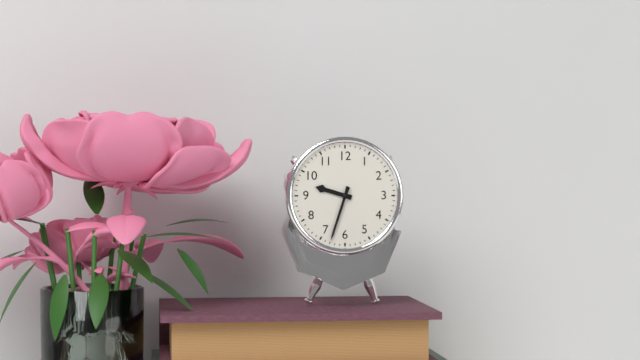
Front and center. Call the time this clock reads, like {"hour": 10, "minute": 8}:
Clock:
{"hour": 9, "minute": 33}
